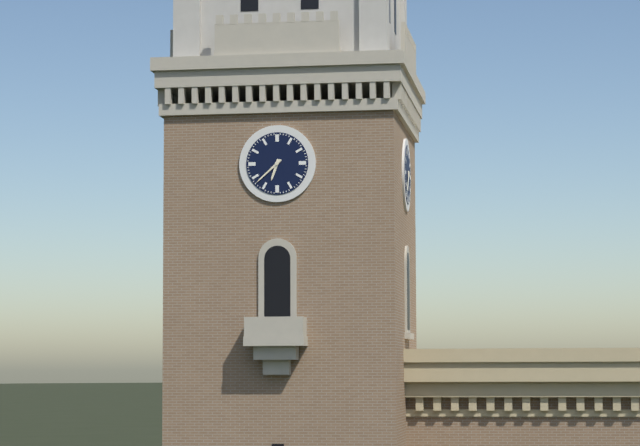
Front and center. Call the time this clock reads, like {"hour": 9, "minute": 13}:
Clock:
{"hour": 6, "minute": 38}
